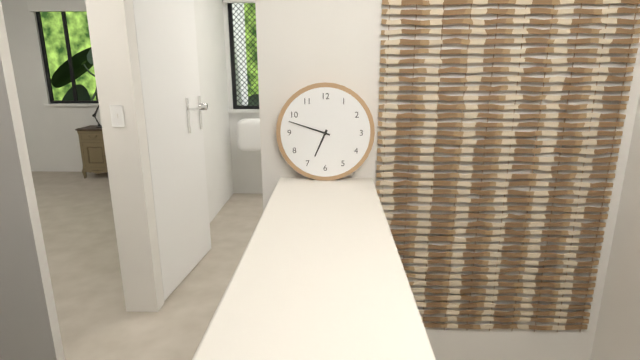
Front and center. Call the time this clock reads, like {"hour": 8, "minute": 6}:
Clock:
{"hour": 6, "minute": 48}
